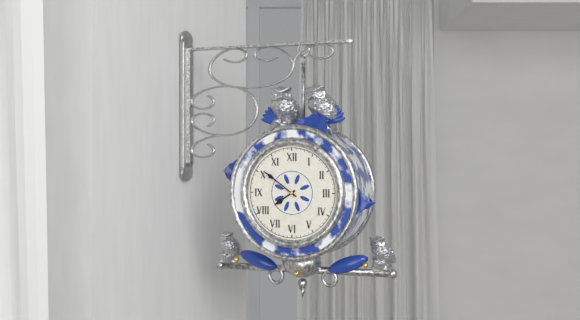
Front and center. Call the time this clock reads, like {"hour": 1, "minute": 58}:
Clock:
{"hour": 7, "minute": 51}
